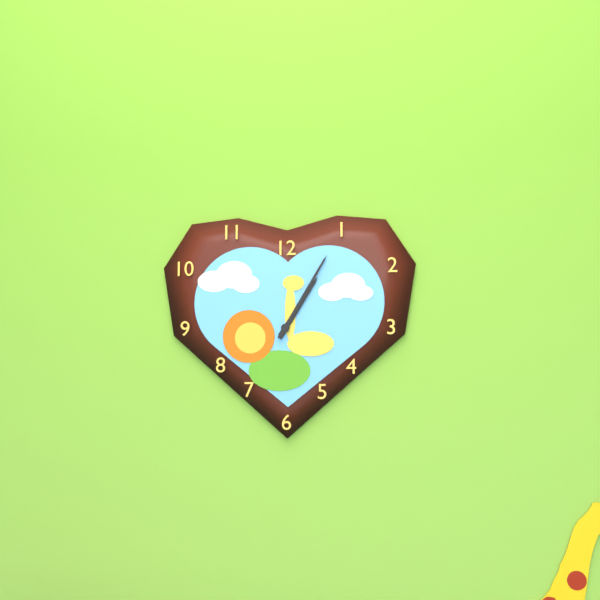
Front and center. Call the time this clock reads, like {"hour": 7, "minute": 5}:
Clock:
{"hour": 1, "minute": 5}
